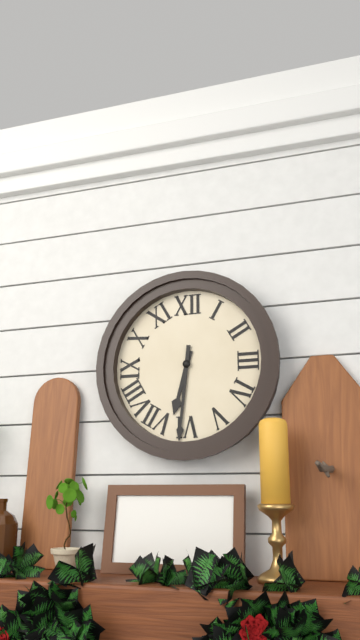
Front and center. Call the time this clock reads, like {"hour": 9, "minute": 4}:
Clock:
{"hour": 6, "minute": 31}
